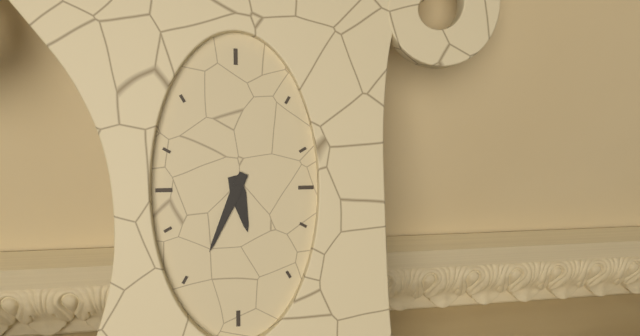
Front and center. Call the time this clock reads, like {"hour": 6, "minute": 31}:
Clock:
{"hour": 5, "minute": 34}
